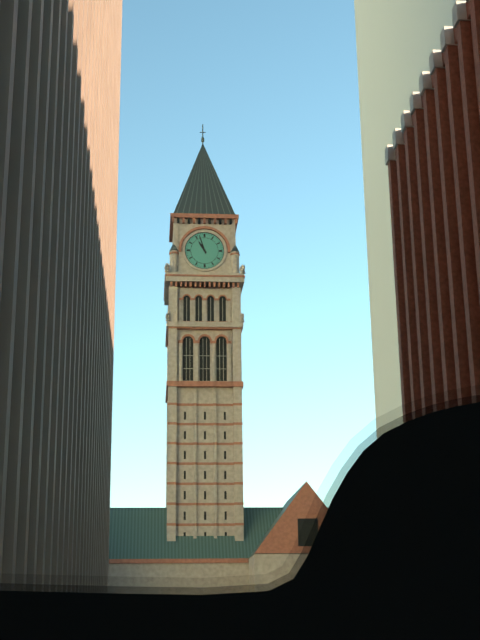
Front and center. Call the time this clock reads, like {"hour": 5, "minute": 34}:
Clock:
{"hour": 10, "minute": 57}
